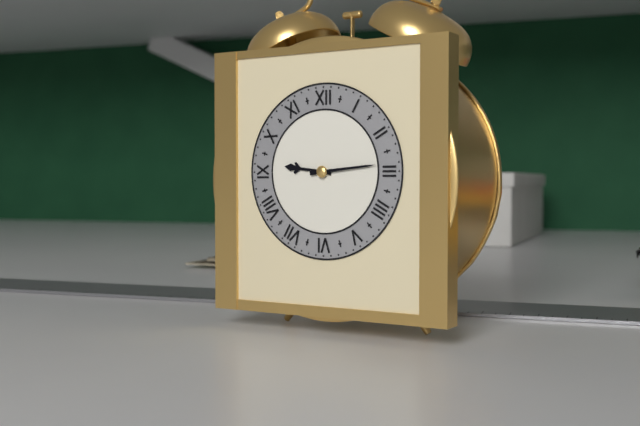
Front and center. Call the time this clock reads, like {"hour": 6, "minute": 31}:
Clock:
{"hour": 9, "minute": 14}
